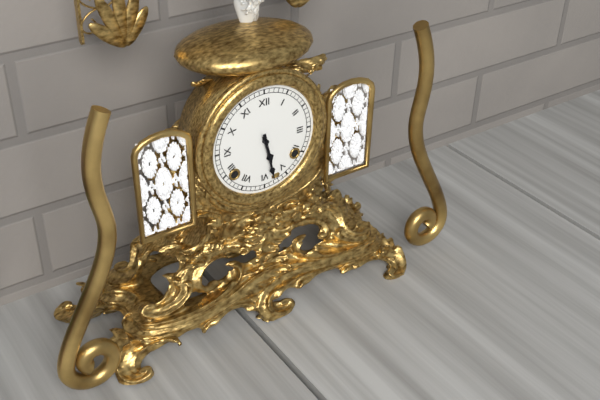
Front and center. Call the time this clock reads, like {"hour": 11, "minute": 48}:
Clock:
{"hour": 5, "minute": 28}
